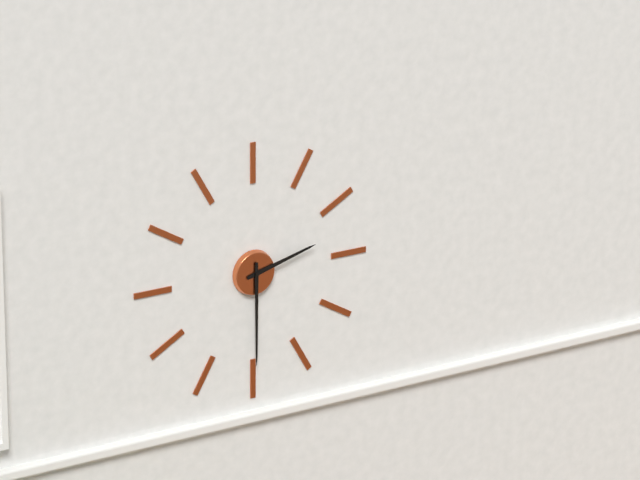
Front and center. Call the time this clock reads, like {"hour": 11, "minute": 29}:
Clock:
{"hour": 2, "minute": 30}
